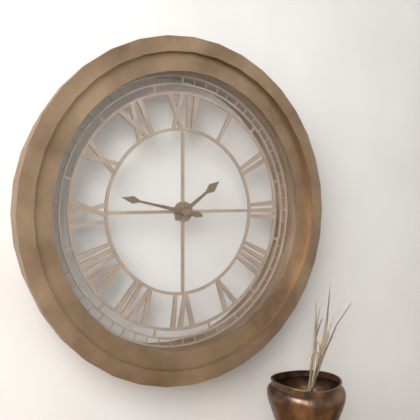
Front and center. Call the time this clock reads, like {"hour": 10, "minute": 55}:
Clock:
{"hour": 1, "minute": 47}
